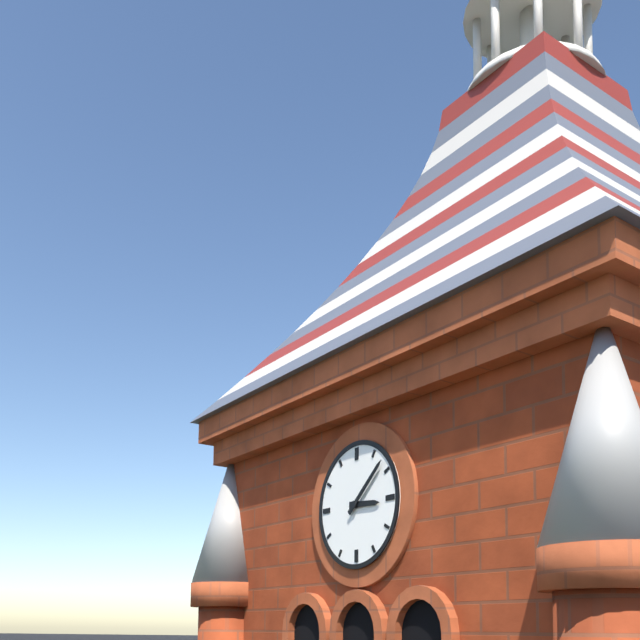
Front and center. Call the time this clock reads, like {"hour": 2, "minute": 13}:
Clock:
{"hour": 3, "minute": 8}
